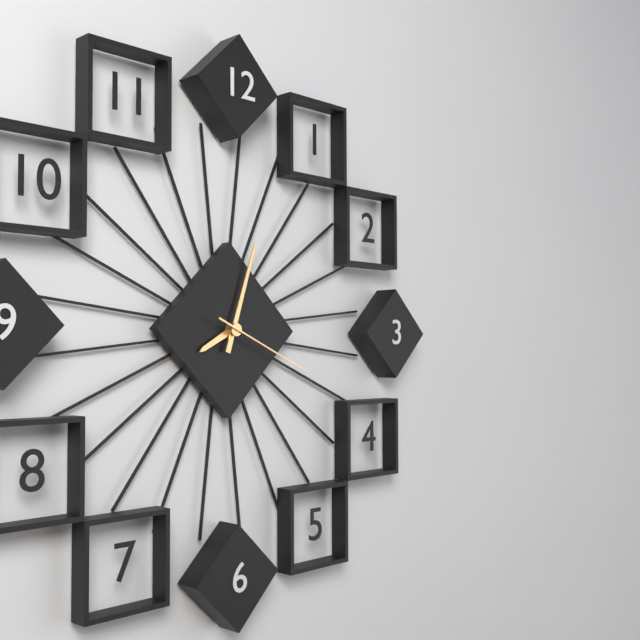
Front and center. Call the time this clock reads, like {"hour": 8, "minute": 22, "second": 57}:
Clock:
{"hour": 8, "minute": 3, "second": 19}
